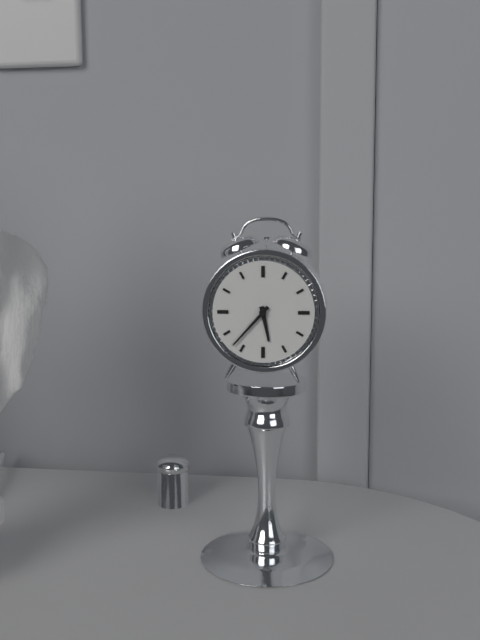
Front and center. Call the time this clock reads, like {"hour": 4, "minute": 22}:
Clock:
{"hour": 5, "minute": 37}
